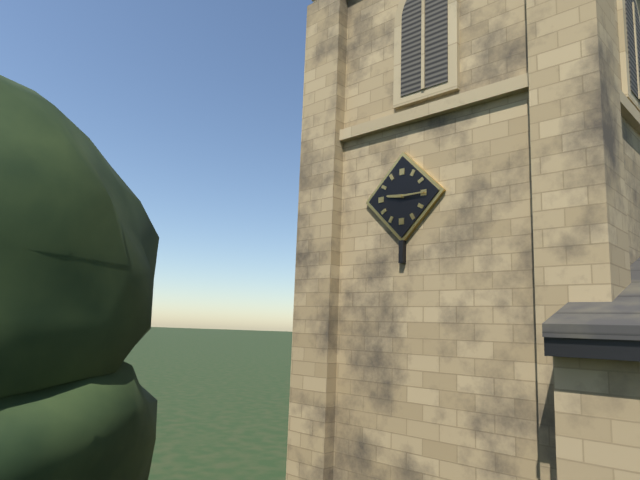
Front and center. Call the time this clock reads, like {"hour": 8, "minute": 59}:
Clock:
{"hour": 9, "minute": 15}
